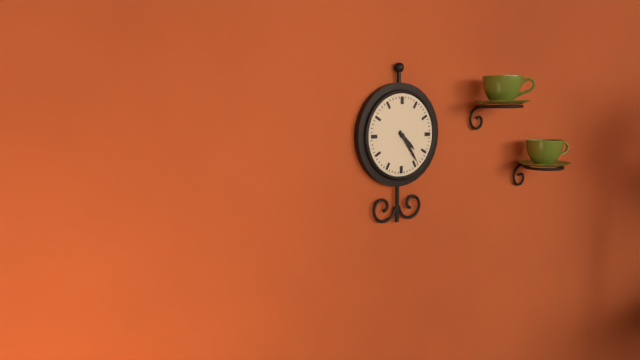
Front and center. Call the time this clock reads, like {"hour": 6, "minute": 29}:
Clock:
{"hour": 4, "minute": 24}
